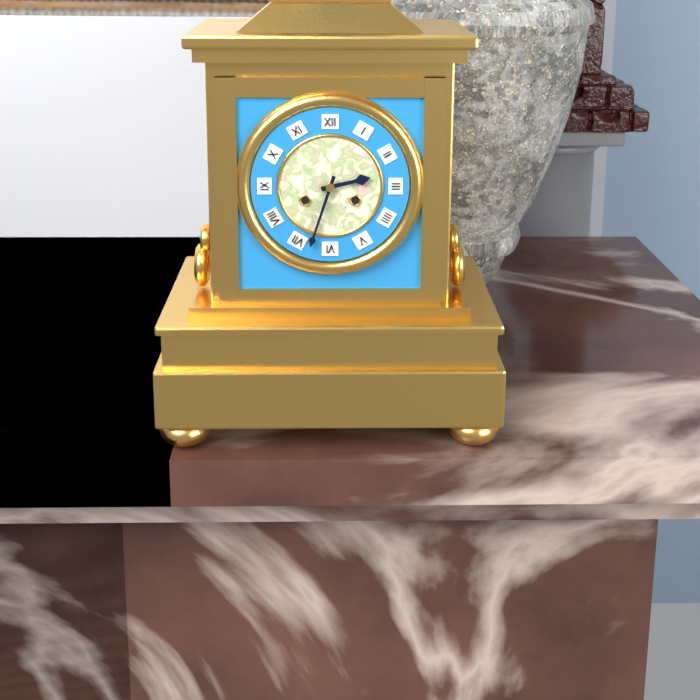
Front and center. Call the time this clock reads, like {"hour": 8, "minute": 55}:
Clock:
{"hour": 2, "minute": 33}
